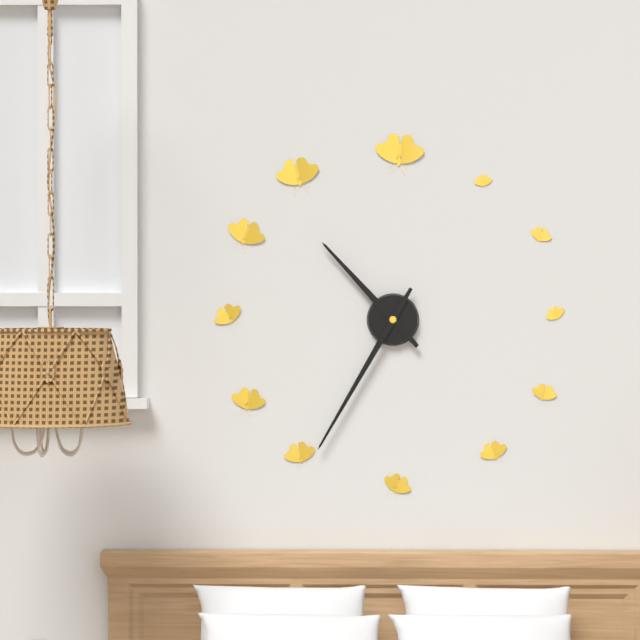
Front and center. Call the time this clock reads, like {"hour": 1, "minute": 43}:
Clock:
{"hour": 10, "minute": 35}
